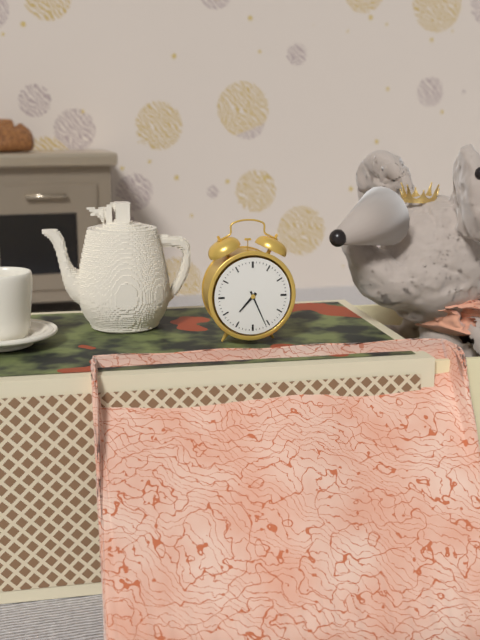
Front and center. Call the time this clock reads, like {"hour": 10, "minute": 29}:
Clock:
{"hour": 7, "minute": 26}
